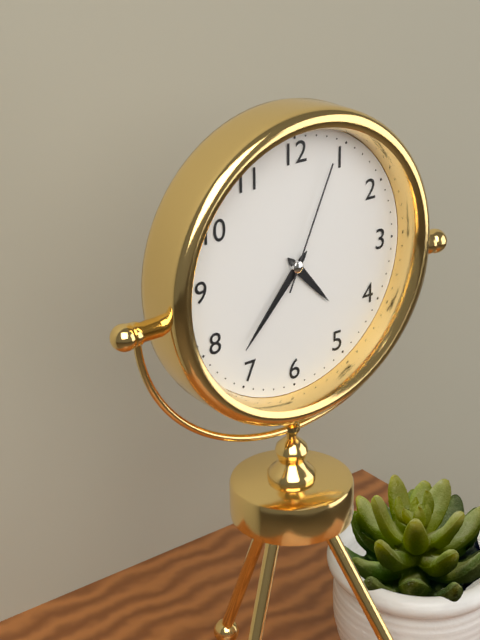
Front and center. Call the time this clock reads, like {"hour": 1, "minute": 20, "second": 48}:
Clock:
{"hour": 4, "minute": 37, "second": 4}
